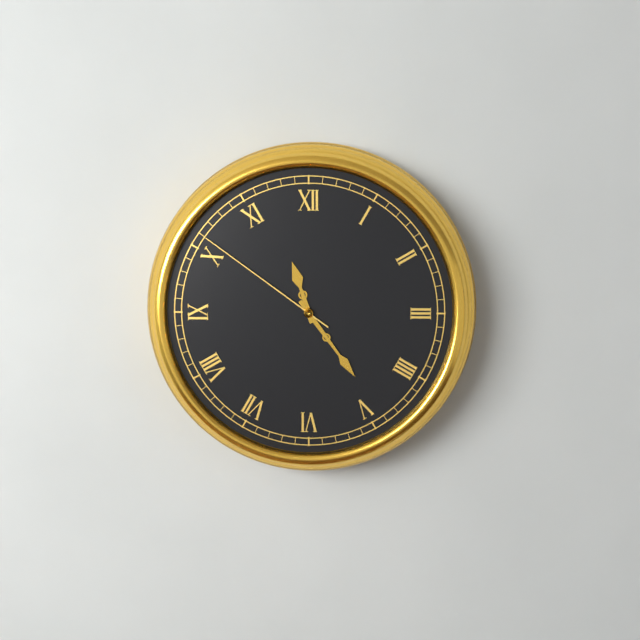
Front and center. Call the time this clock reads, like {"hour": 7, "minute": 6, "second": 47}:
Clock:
{"hour": 11, "minute": 24, "second": 51}
